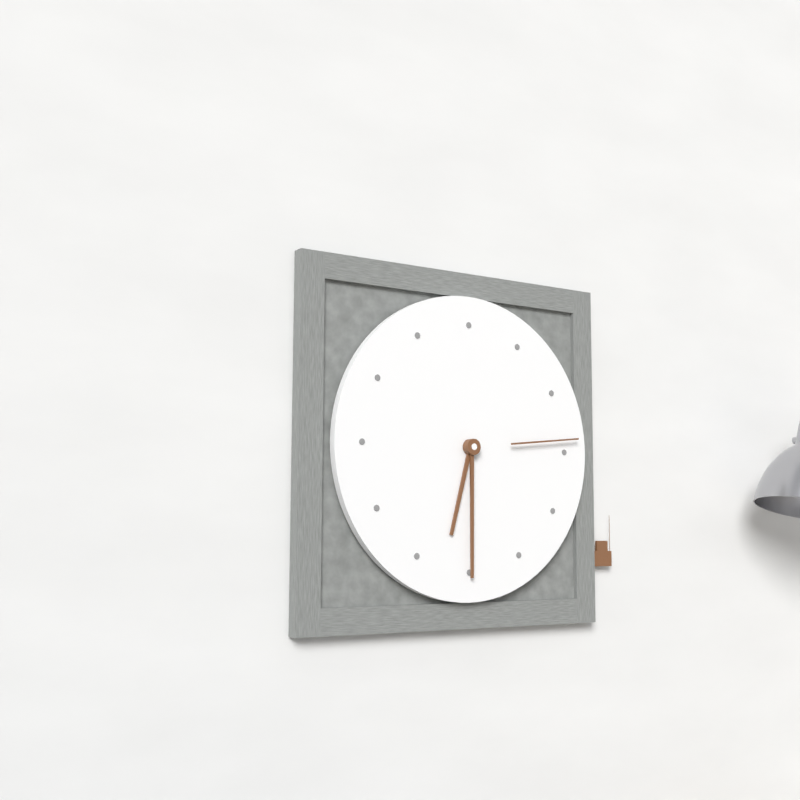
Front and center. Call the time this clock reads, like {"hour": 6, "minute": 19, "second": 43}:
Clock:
{"hour": 6, "minute": 30, "second": 14}
